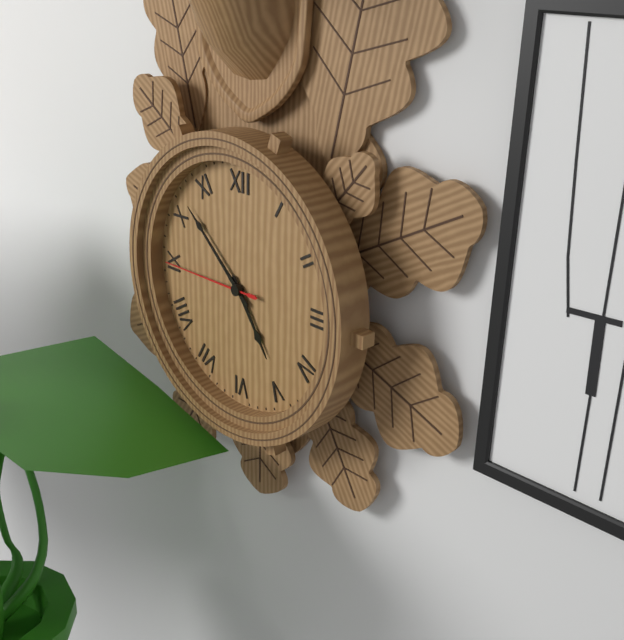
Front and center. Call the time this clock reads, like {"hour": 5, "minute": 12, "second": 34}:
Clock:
{"hour": 4, "minute": 52, "second": 45}
